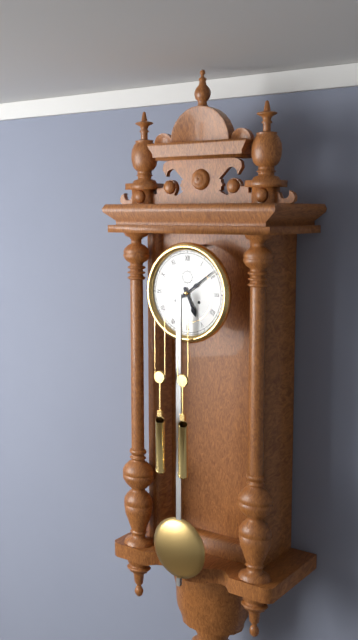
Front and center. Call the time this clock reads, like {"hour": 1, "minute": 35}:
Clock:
{"hour": 5, "minute": 9}
